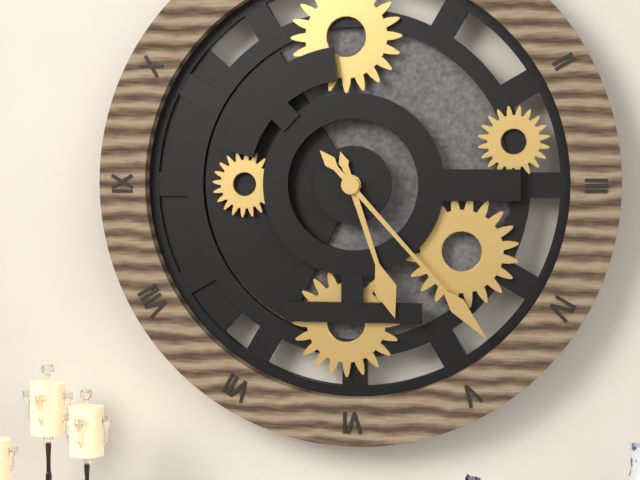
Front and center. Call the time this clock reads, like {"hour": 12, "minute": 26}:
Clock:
{"hour": 5, "minute": 23}
